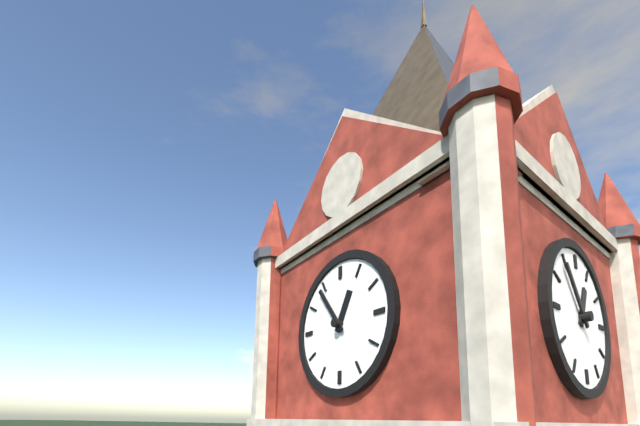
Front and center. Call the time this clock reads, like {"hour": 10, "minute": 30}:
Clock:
{"hour": 12, "minute": 54}
